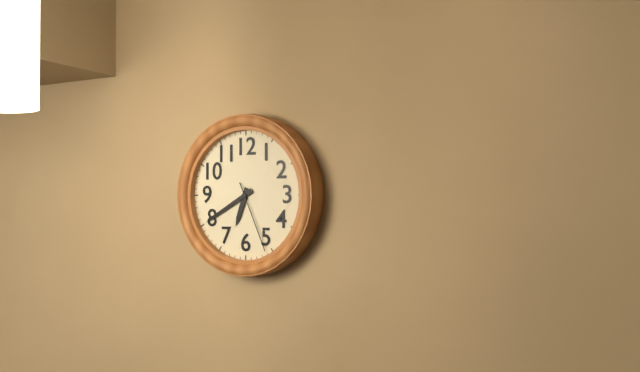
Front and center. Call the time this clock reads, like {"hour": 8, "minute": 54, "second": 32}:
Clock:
{"hour": 6, "minute": 40, "second": 26}
